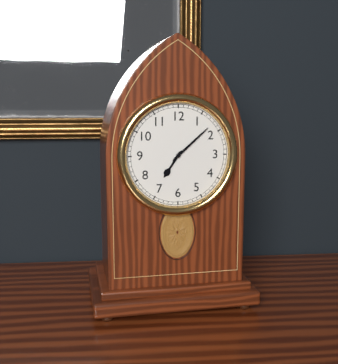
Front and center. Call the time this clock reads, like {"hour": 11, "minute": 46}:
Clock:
{"hour": 7, "minute": 8}
